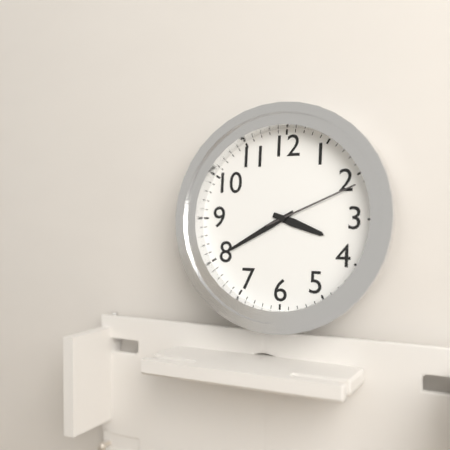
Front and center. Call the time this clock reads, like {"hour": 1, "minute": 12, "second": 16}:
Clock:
{"hour": 3, "minute": 40, "second": 11}
